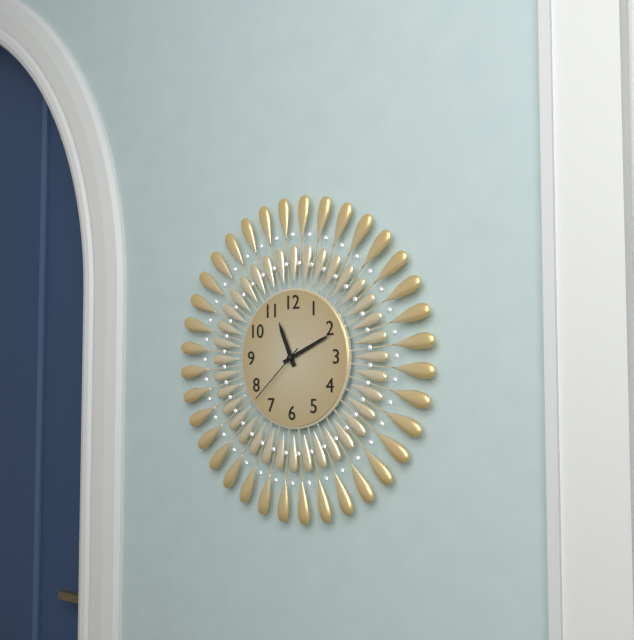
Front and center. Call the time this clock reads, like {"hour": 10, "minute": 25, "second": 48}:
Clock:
{"hour": 11, "minute": 11, "second": 38}
